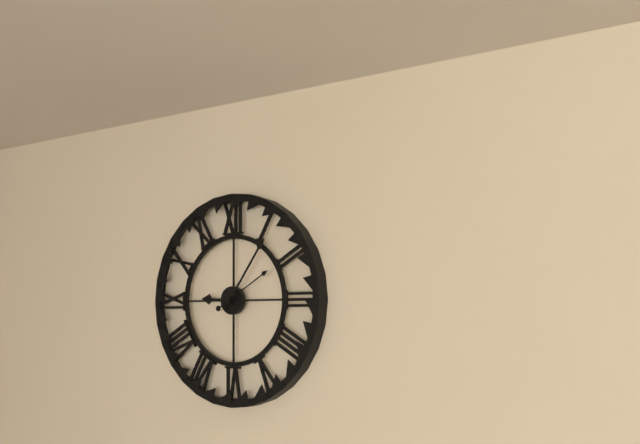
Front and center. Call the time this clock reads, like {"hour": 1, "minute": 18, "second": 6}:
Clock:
{"hour": 9, "minute": 6, "second": 10}
